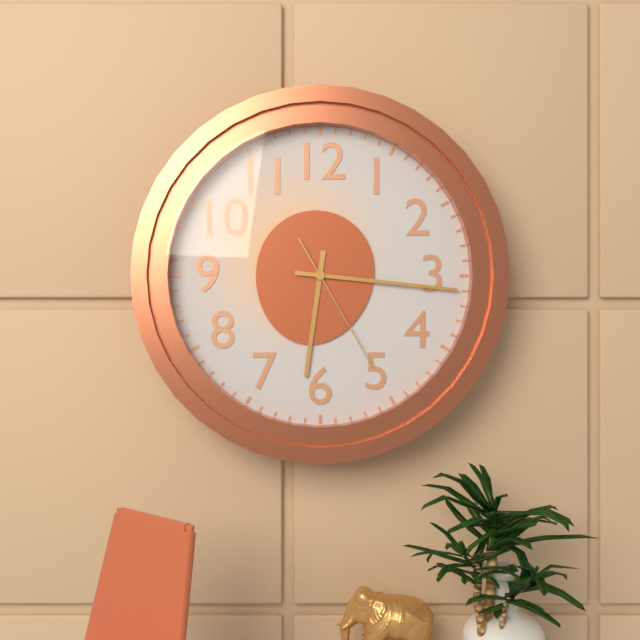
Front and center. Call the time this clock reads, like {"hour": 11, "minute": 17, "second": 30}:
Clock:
{"hour": 6, "minute": 16, "second": 25}
